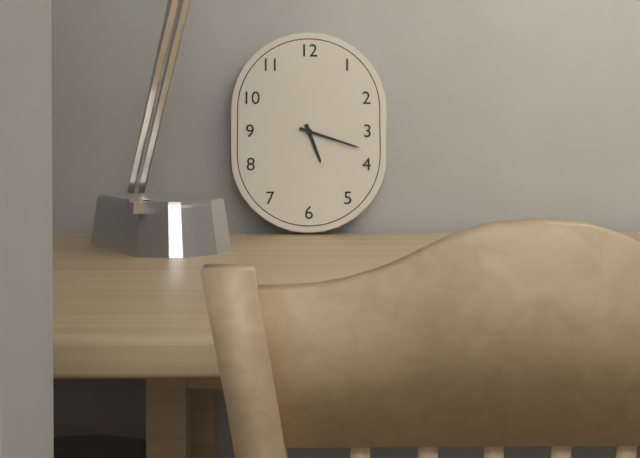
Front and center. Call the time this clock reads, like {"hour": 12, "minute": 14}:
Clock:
{"hour": 5, "minute": 18}
